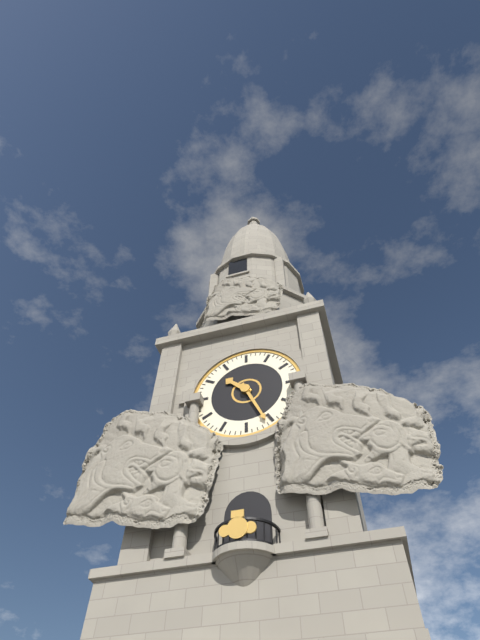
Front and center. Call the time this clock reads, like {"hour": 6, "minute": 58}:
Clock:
{"hour": 10, "minute": 26}
